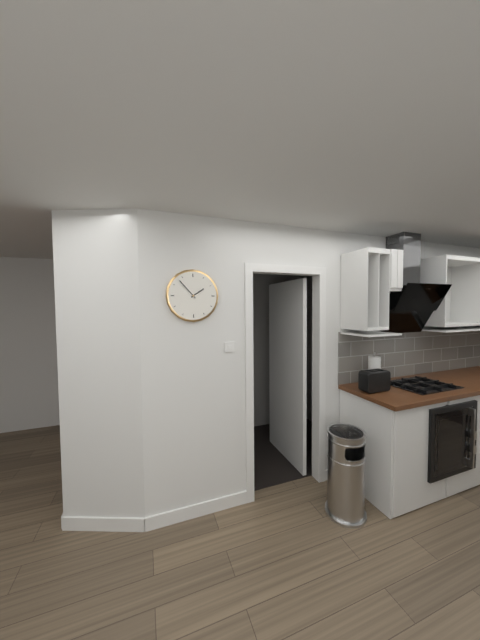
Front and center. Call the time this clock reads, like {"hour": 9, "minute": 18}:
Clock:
{"hour": 1, "minute": 53}
